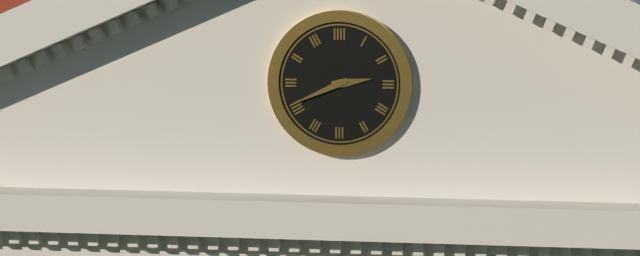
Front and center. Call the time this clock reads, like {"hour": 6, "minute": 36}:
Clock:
{"hour": 2, "minute": 41}
